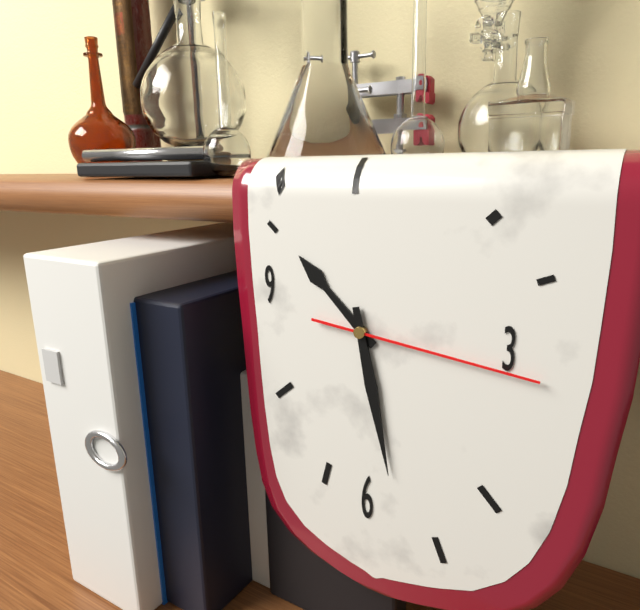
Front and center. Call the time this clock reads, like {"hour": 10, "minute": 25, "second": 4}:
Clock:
{"hour": 10, "minute": 28, "second": 16}
